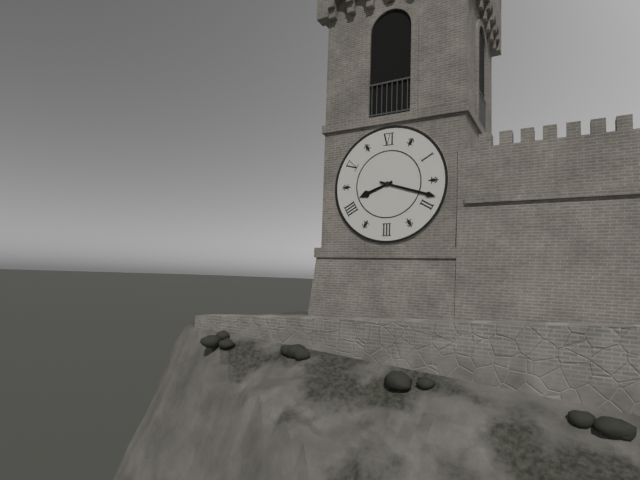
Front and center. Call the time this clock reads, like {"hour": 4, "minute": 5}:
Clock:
{"hour": 8, "minute": 18}
